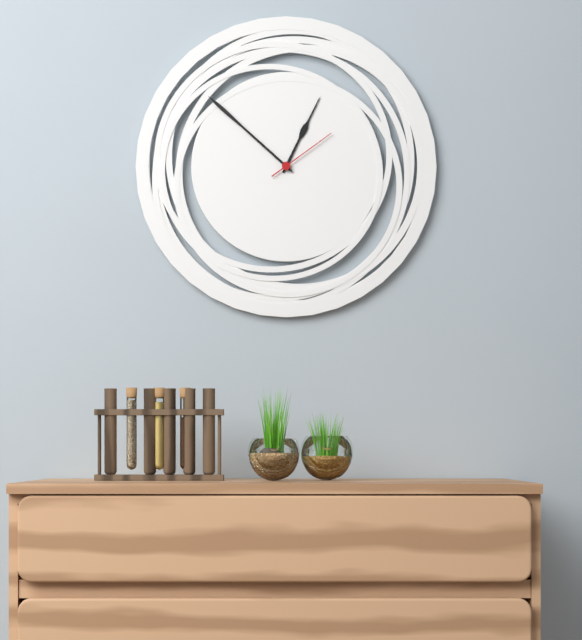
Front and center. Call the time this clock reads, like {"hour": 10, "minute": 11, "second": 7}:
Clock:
{"hour": 12, "minute": 52, "second": 9}
